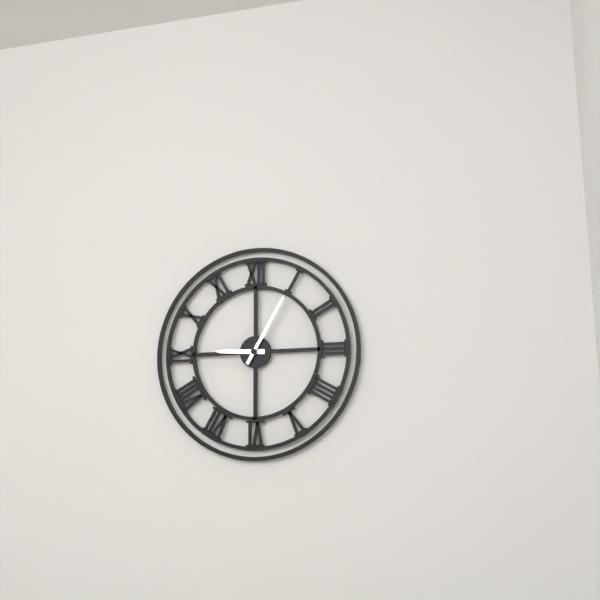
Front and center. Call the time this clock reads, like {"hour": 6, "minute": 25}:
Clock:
{"hour": 9, "minute": 5}
